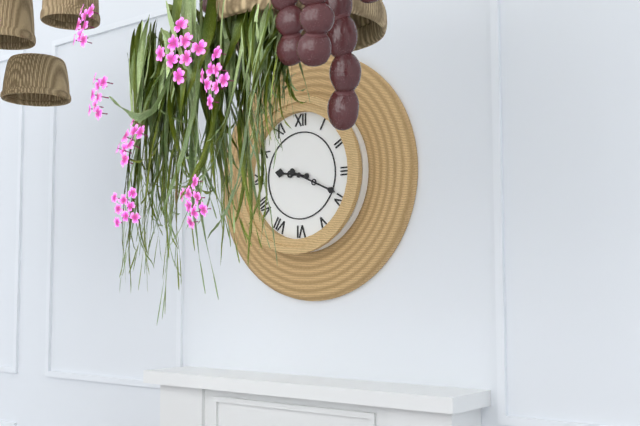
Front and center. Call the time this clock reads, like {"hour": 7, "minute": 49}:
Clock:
{"hour": 9, "minute": 19}
